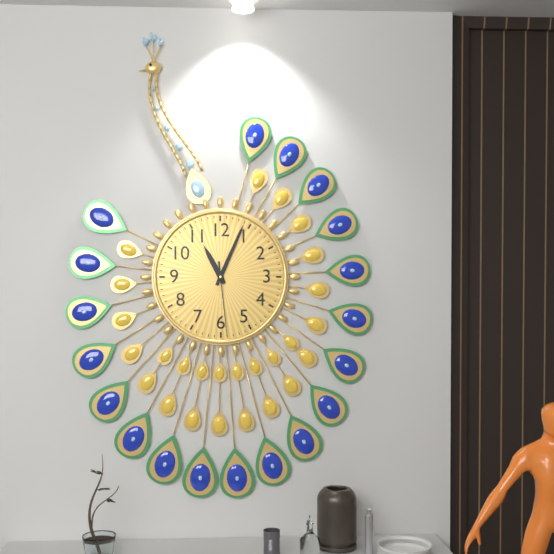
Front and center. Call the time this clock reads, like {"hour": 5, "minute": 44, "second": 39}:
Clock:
{"hour": 11, "minute": 4, "second": 29}
